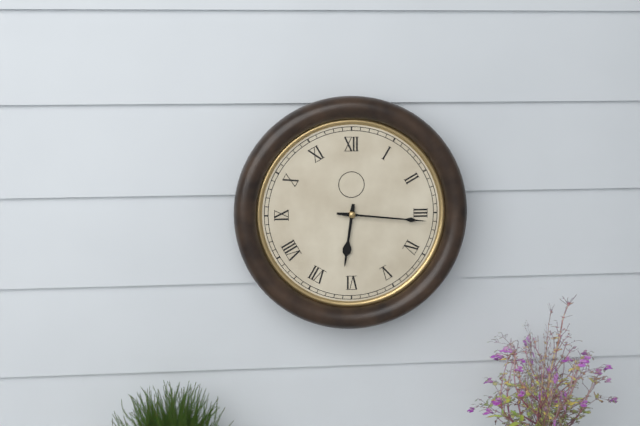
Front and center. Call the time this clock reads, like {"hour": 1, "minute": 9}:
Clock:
{"hour": 6, "minute": 16}
